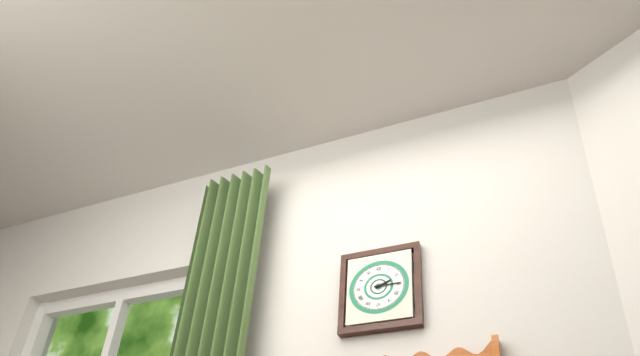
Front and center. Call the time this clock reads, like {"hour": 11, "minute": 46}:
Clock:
{"hour": 2, "minute": 15}
